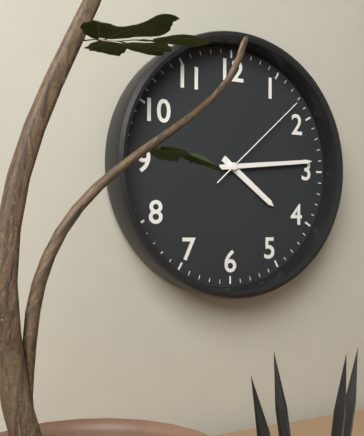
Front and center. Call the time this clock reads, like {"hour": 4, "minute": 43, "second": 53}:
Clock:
{"hour": 4, "minute": 14, "second": 8}
